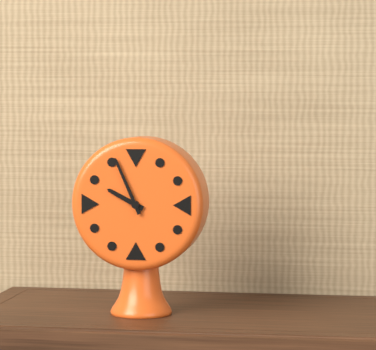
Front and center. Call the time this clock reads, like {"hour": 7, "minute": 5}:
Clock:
{"hour": 9, "minute": 56}
